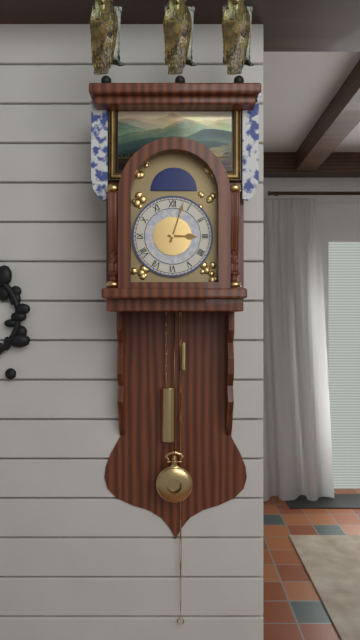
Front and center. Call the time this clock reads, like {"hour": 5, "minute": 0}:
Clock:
{"hour": 3, "minute": 3}
